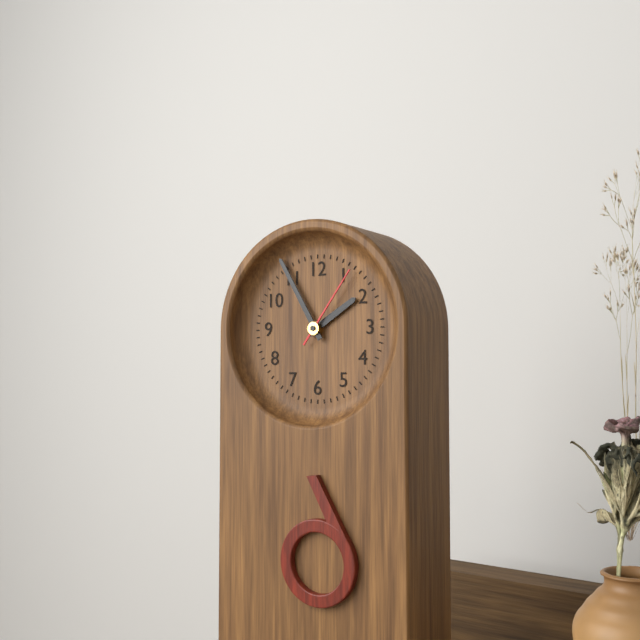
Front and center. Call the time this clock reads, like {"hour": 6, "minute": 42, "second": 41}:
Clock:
{"hour": 1, "minute": 55, "second": 6}
